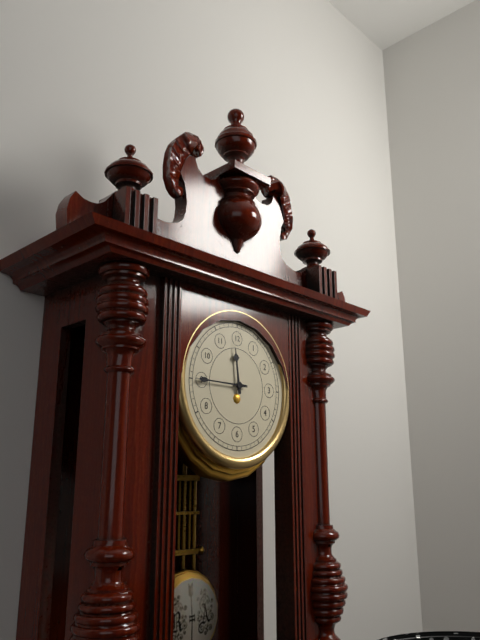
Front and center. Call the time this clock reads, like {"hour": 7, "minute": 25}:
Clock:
{"hour": 11, "minute": 45}
